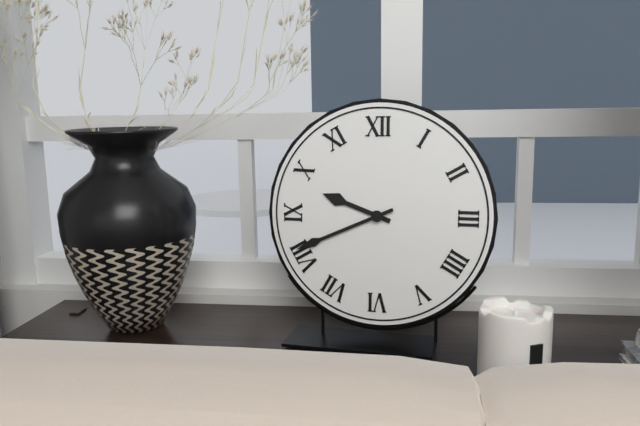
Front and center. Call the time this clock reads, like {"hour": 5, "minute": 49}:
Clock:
{"hour": 9, "minute": 41}
